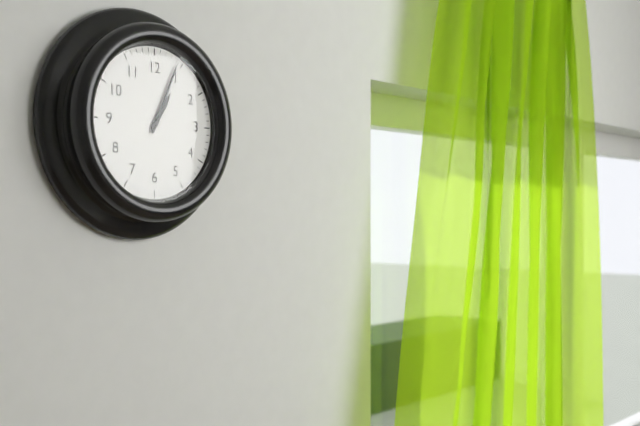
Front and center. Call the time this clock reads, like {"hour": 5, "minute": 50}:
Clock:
{"hour": 1, "minute": 4}
